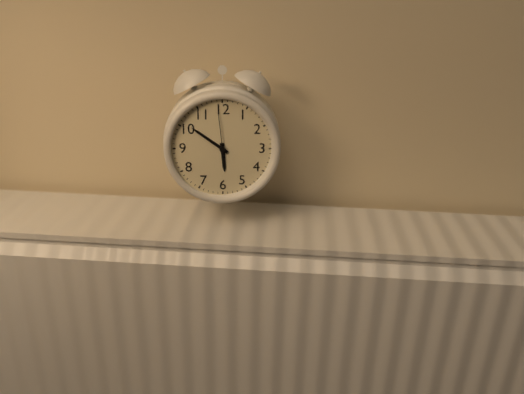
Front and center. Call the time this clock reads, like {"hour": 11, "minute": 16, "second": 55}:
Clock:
{"hour": 5, "minute": 51, "second": 59}
